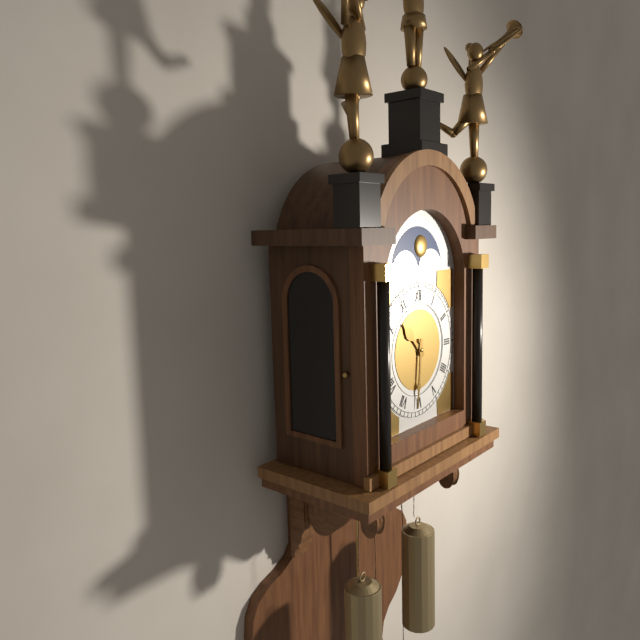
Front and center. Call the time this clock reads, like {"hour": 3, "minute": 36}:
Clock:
{"hour": 10, "minute": 31}
